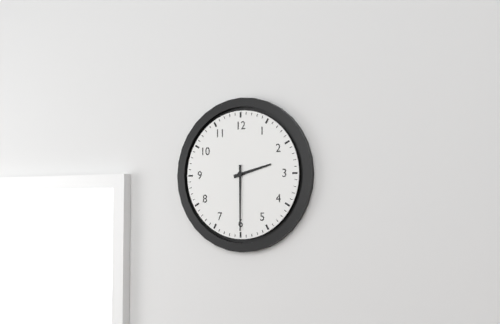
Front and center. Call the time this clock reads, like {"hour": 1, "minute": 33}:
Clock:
{"hour": 2, "minute": 30}
